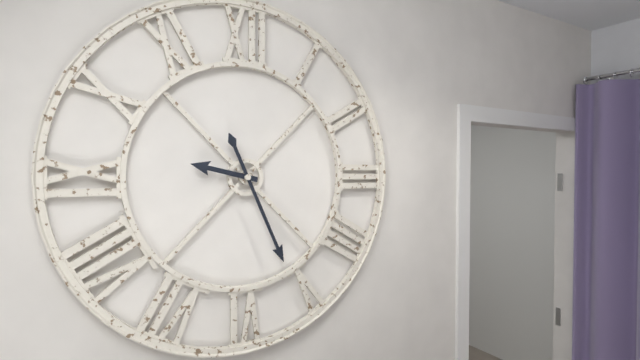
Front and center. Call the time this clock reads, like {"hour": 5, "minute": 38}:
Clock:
{"hour": 9, "minute": 26}
